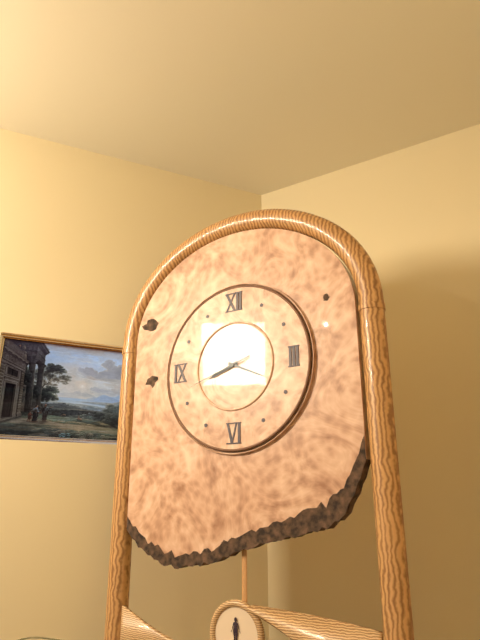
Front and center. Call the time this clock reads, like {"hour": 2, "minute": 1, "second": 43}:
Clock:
{"hour": 8, "minute": 19, "second": 42}
